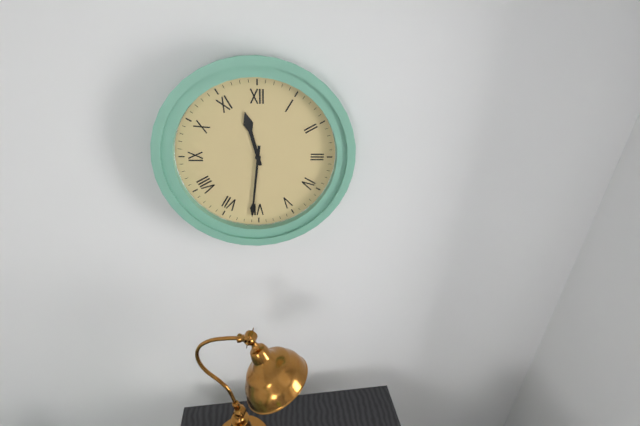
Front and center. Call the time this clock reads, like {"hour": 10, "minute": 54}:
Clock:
{"hour": 11, "minute": 31}
